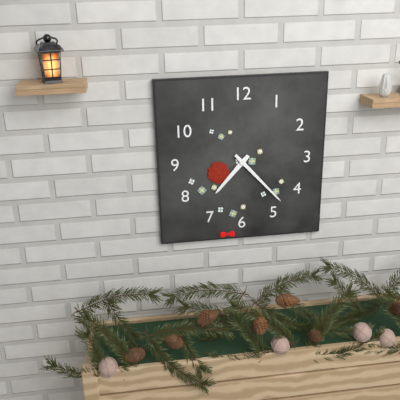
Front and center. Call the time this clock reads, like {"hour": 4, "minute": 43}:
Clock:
{"hour": 7, "minute": 23}
